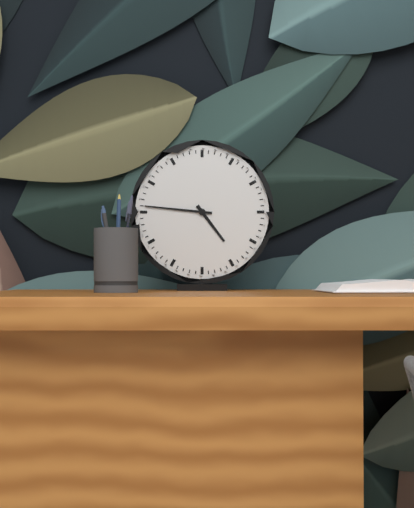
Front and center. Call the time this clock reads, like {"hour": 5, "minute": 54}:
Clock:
{"hour": 4, "minute": 46}
